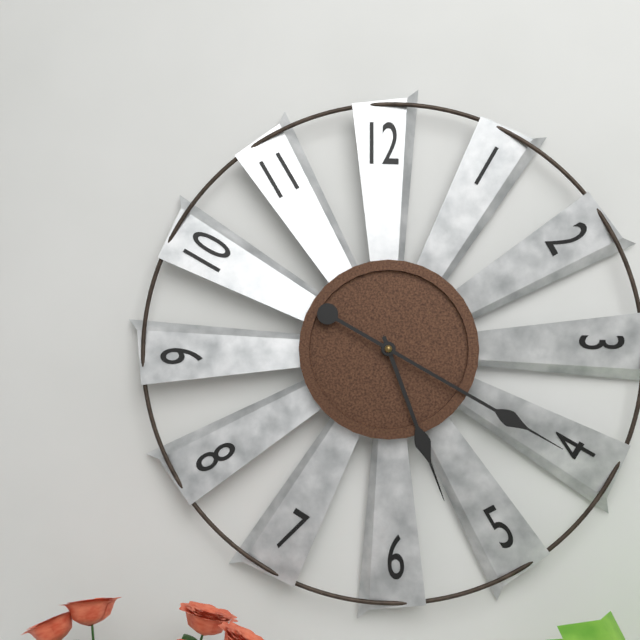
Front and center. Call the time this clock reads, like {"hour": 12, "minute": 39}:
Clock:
{"hour": 5, "minute": 20}
